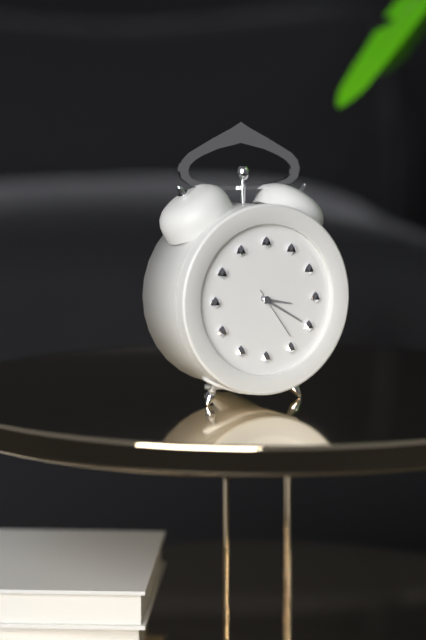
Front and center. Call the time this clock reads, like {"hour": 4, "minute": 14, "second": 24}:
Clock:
{"hour": 3, "minute": 20, "second": 24}
